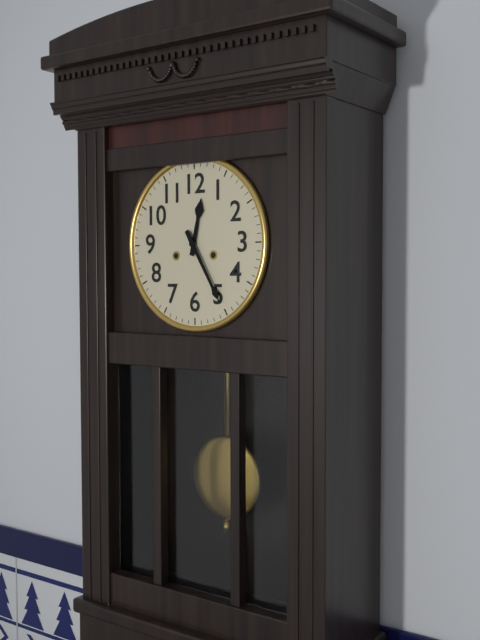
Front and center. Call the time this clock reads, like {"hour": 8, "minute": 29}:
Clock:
{"hour": 12, "minute": 25}
